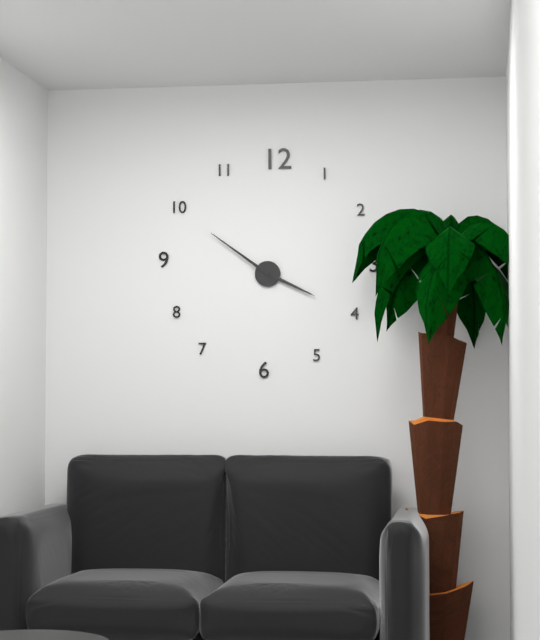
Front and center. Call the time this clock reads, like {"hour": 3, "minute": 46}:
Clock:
{"hour": 3, "minute": 51}
